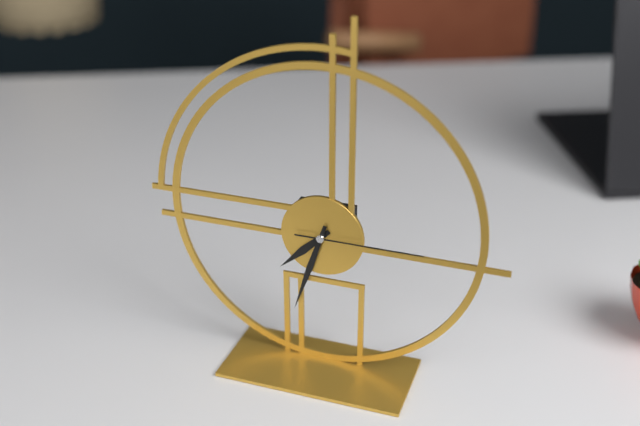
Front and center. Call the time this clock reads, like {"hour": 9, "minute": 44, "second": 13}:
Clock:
{"hour": 7, "minute": 33, "second": 15}
